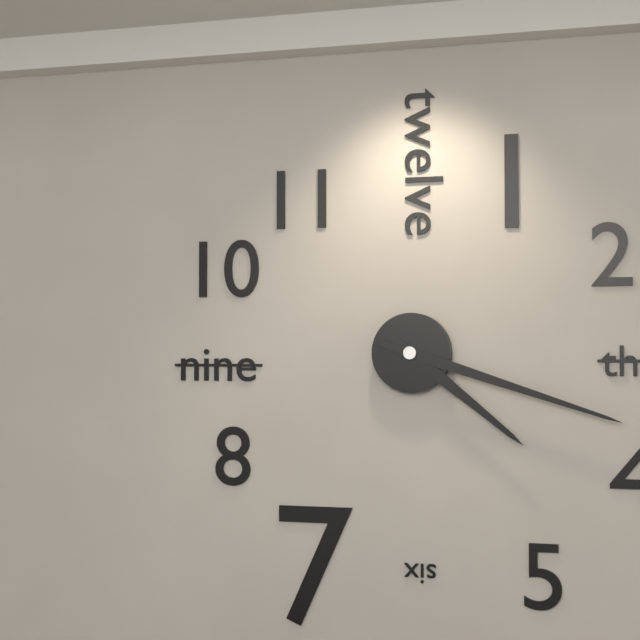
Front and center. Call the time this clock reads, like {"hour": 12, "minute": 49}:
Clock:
{"hour": 4, "minute": 18}
